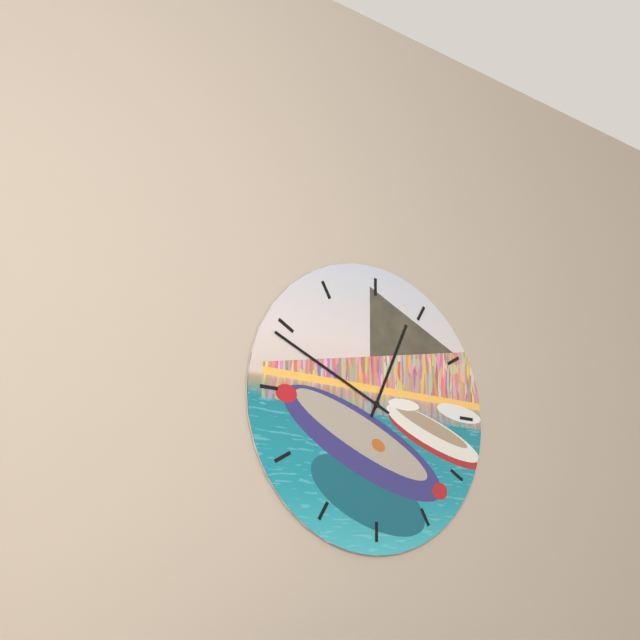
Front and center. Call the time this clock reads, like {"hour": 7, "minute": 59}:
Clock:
{"hour": 12, "minute": 49}
